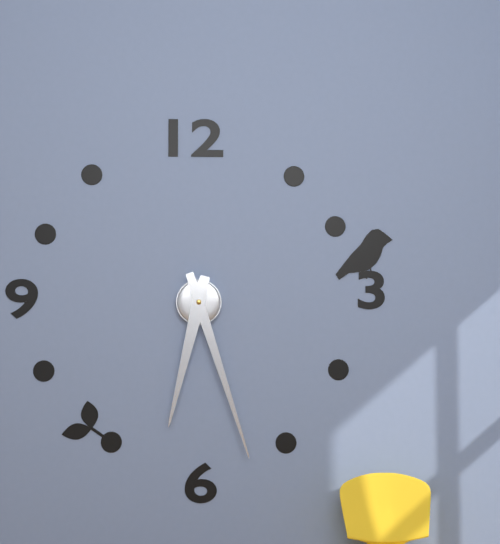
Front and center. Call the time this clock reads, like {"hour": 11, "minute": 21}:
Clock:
{"hour": 6, "minute": 27}
